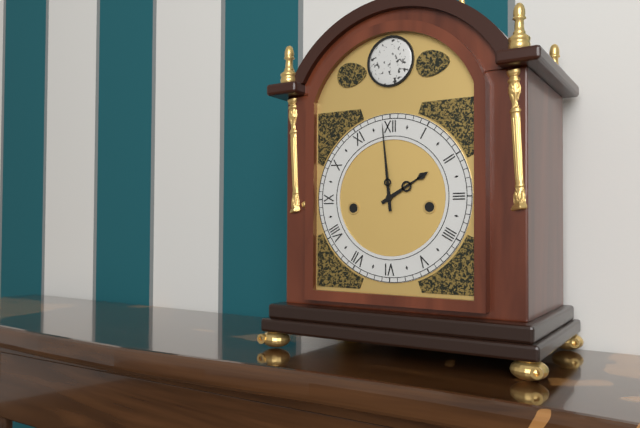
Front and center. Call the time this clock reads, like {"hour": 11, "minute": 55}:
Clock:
{"hour": 1, "minute": 59}
